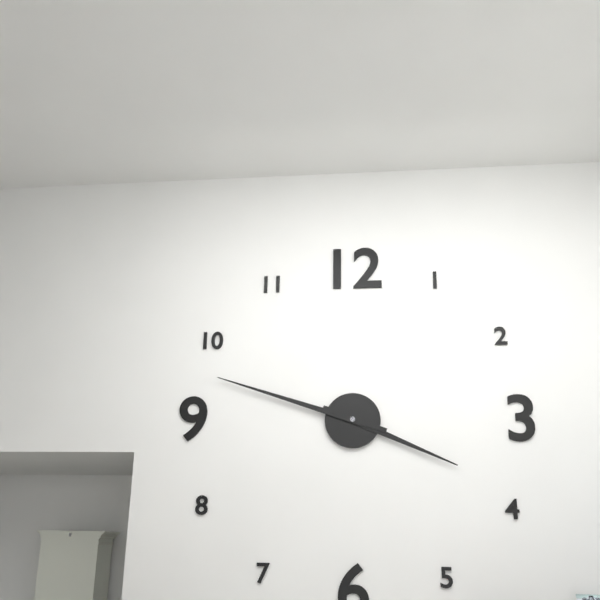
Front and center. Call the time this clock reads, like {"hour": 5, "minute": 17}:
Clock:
{"hour": 3, "minute": 48}
